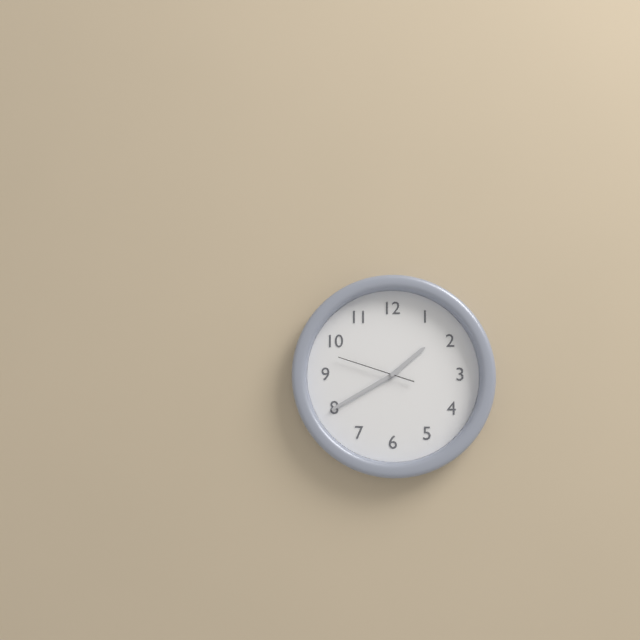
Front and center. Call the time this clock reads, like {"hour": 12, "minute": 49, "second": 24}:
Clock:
{"hour": 1, "minute": 40, "second": 48}
